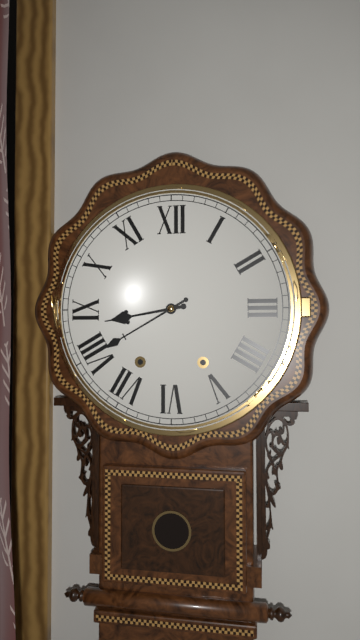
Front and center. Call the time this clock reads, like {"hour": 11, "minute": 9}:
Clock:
{"hour": 8, "minute": 40}
